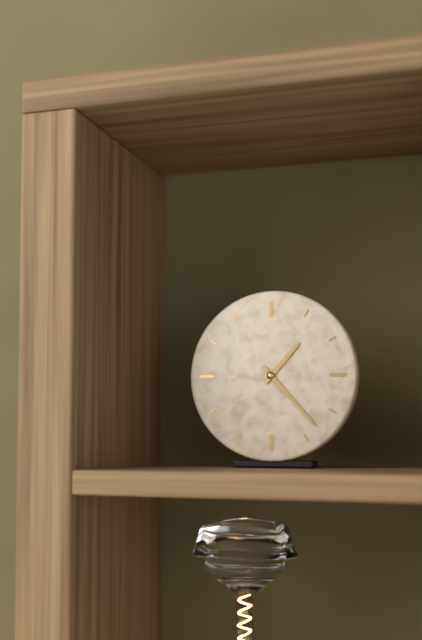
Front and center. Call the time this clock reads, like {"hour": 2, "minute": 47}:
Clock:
{"hour": 1, "minute": 23}
